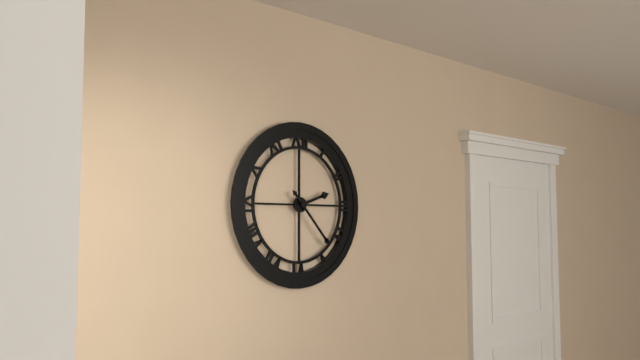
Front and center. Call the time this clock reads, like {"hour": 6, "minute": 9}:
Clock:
{"hour": 2, "minute": 23}
